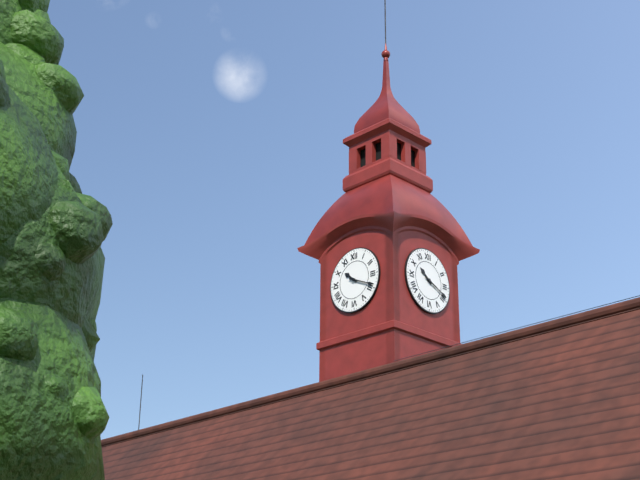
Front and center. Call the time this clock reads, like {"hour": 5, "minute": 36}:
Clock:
{"hour": 10, "minute": 19}
